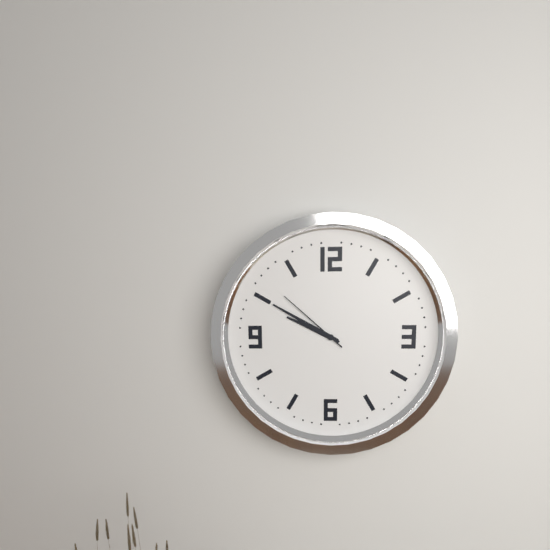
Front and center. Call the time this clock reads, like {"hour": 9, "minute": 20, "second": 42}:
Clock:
{"hour": 9, "minute": 50, "second": 52}
